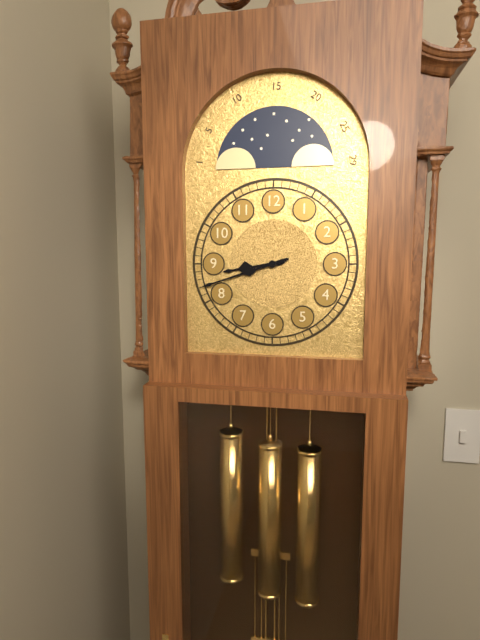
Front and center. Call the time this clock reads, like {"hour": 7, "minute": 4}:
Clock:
{"hour": 8, "minute": 42}
